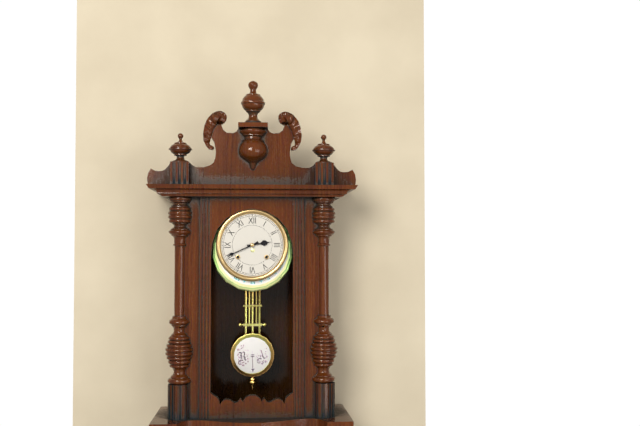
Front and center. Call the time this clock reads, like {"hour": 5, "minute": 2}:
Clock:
{"hour": 2, "minute": 41}
